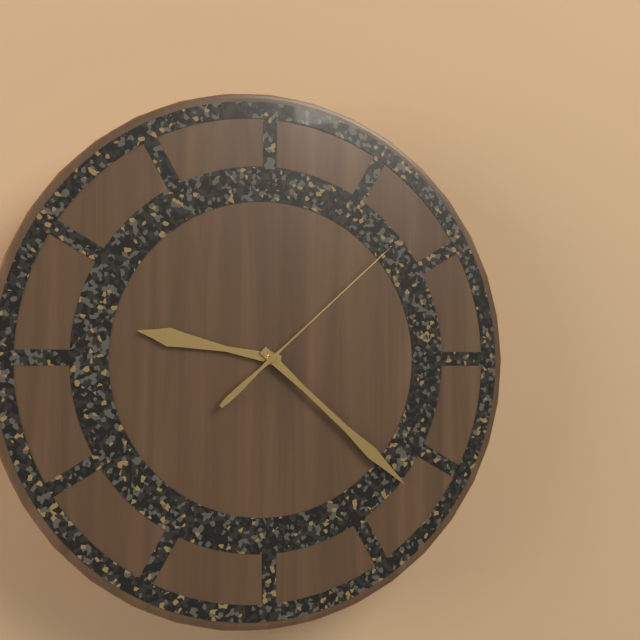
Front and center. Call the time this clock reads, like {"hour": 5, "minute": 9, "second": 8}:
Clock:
{"hour": 9, "minute": 22, "second": 8}
